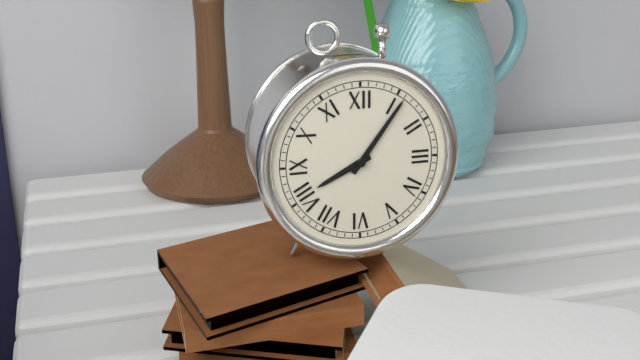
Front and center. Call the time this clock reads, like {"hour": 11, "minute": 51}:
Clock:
{"hour": 8, "minute": 6}
